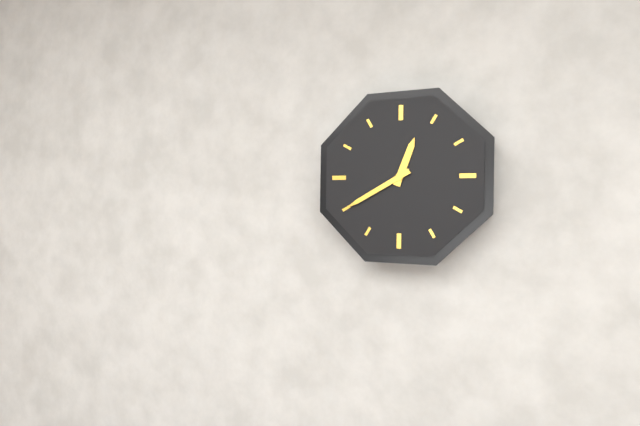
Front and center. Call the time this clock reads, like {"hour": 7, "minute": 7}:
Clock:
{"hour": 12, "minute": 40}
